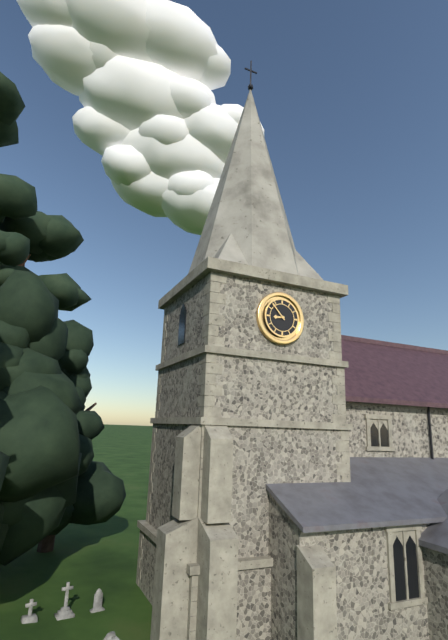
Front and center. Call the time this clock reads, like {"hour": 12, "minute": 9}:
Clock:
{"hour": 8, "minute": 53}
